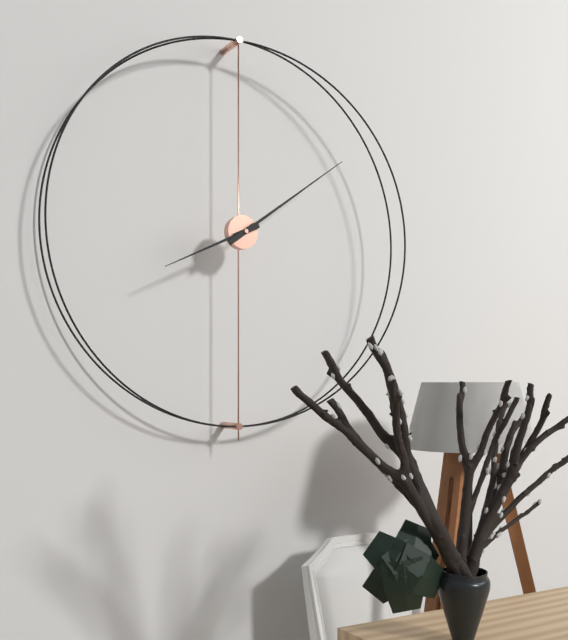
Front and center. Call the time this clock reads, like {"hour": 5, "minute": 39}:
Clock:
{"hour": 8, "minute": 9}
